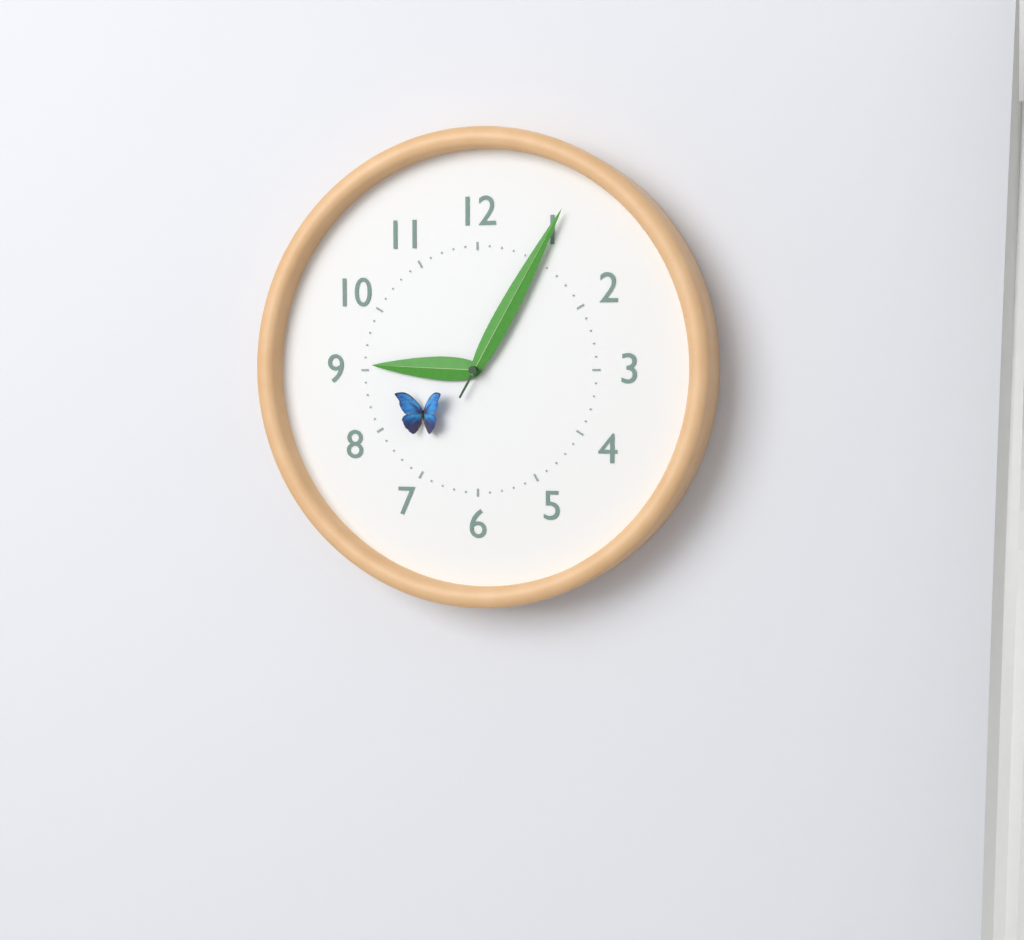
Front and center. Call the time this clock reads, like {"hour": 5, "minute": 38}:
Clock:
{"hour": 9, "minute": 5}
